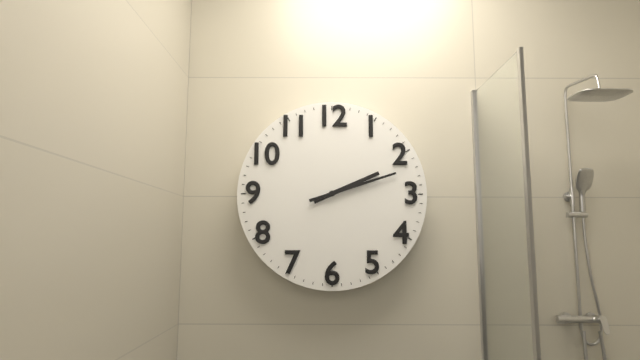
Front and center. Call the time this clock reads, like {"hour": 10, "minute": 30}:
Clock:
{"hour": 2, "minute": 12}
